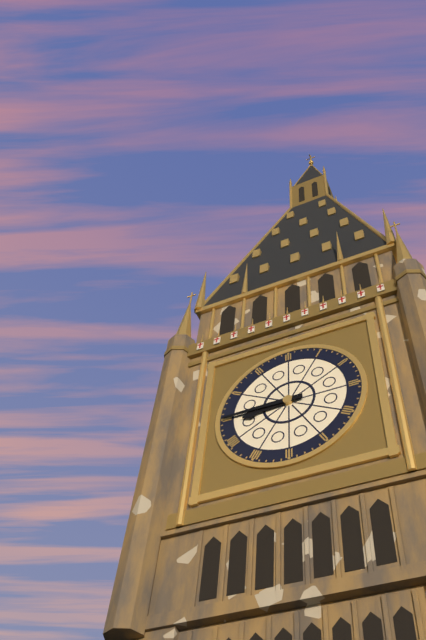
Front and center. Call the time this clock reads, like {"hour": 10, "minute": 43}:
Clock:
{"hour": 8, "minute": 45}
